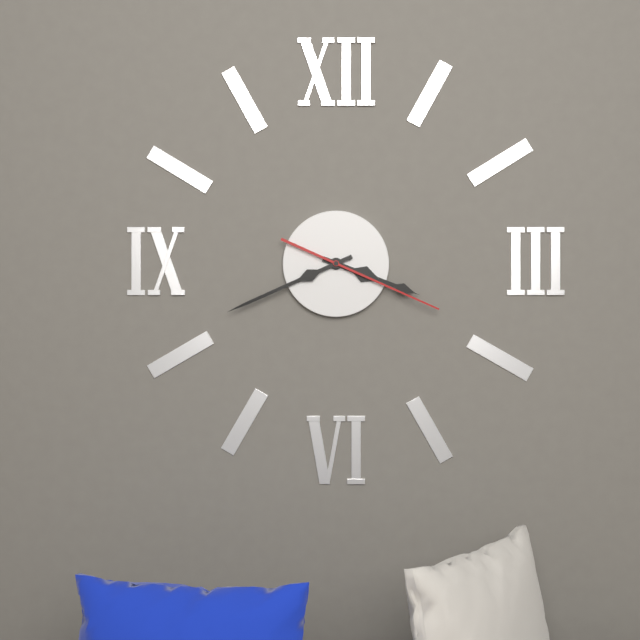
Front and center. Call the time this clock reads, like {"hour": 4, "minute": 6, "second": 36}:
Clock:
{"hour": 3, "minute": 41, "second": 19}
